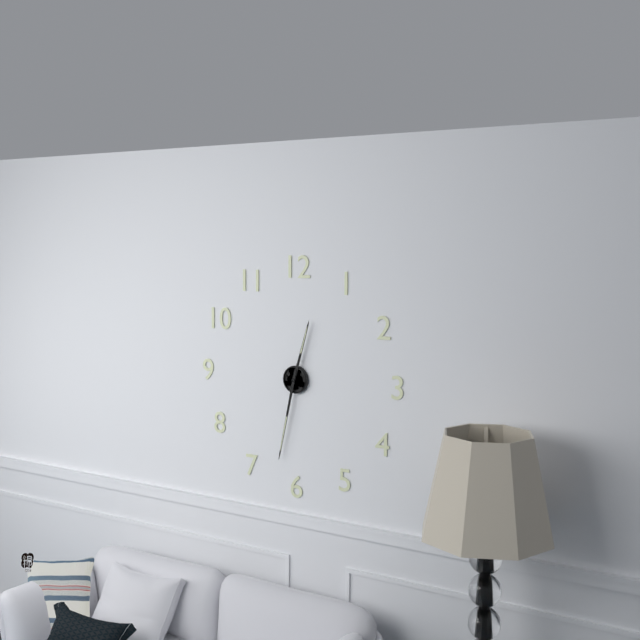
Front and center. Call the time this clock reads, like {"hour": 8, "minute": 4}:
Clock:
{"hour": 12, "minute": 32}
